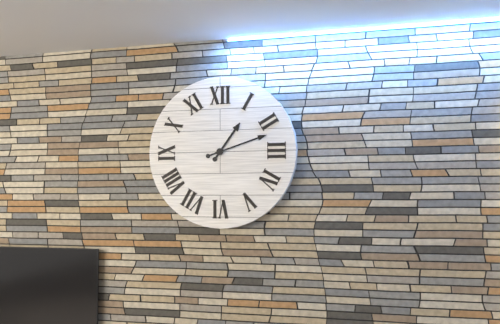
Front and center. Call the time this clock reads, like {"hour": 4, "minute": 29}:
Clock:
{"hour": 1, "minute": 12}
